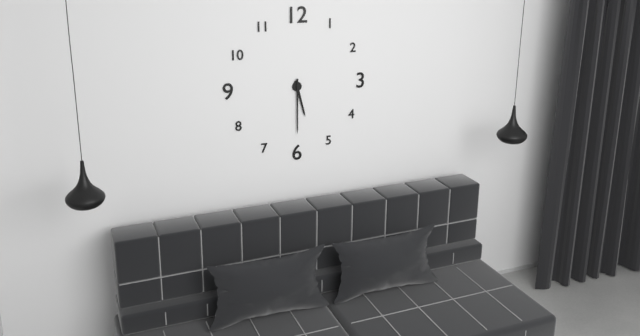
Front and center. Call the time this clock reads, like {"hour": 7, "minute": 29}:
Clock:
{"hour": 5, "minute": 30}
